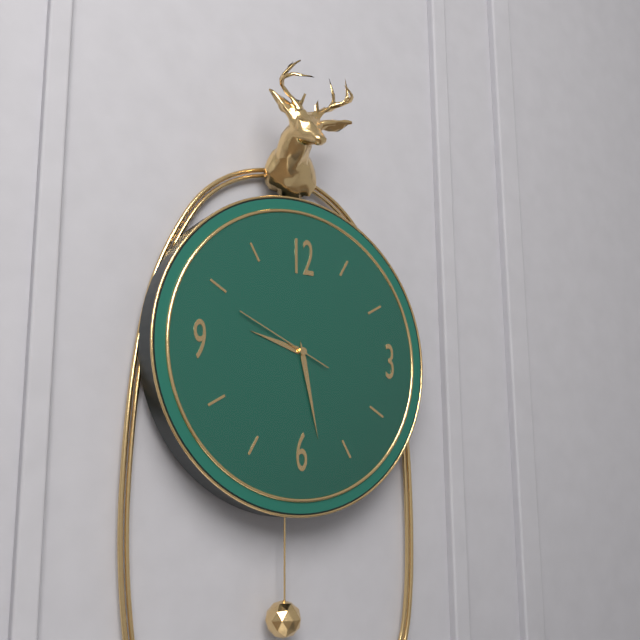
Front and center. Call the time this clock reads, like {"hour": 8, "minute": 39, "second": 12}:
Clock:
{"hour": 9, "minute": 28, "second": 49}
